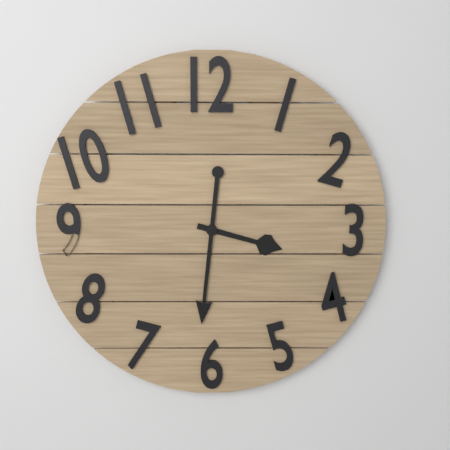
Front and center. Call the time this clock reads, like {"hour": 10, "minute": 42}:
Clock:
{"hour": 3, "minute": 31}
